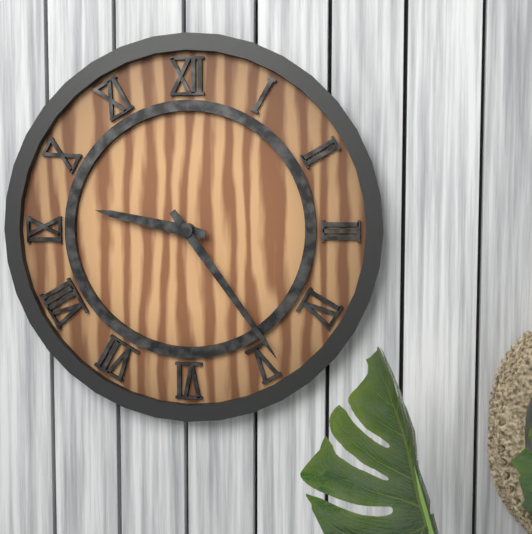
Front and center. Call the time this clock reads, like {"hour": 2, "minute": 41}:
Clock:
{"hour": 9, "minute": 24}
